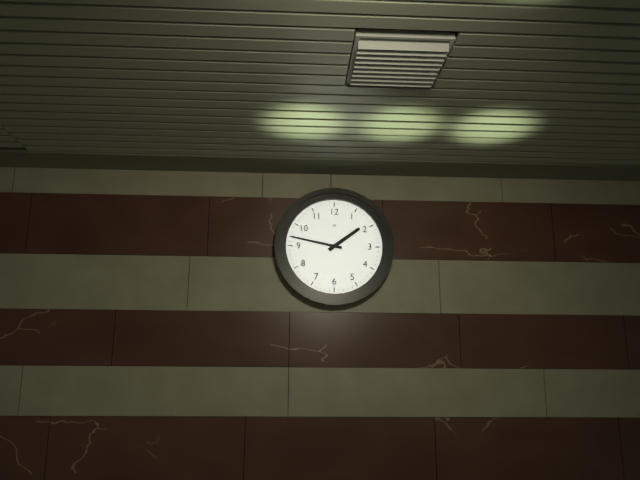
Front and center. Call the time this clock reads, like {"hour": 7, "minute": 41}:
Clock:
{"hour": 1, "minute": 47}
